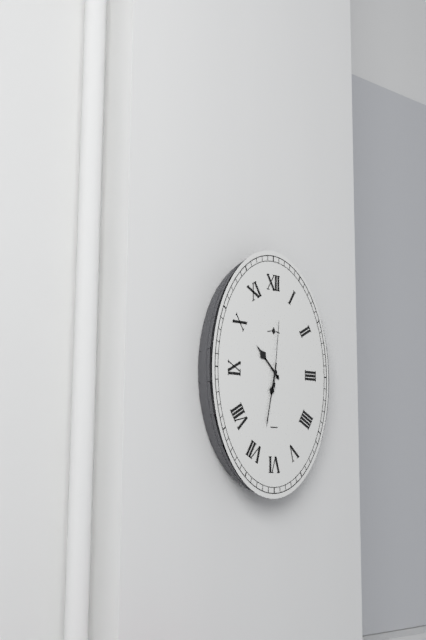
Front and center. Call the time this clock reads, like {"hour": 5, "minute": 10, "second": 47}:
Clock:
{"hour": 10, "minute": 32, "second": 1}
